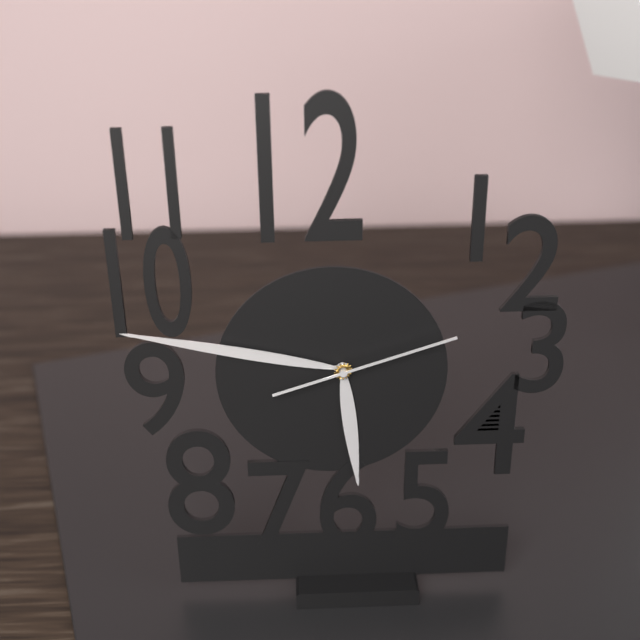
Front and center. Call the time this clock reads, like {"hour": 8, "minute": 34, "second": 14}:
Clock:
{"hour": 5, "minute": 47, "second": 12}
